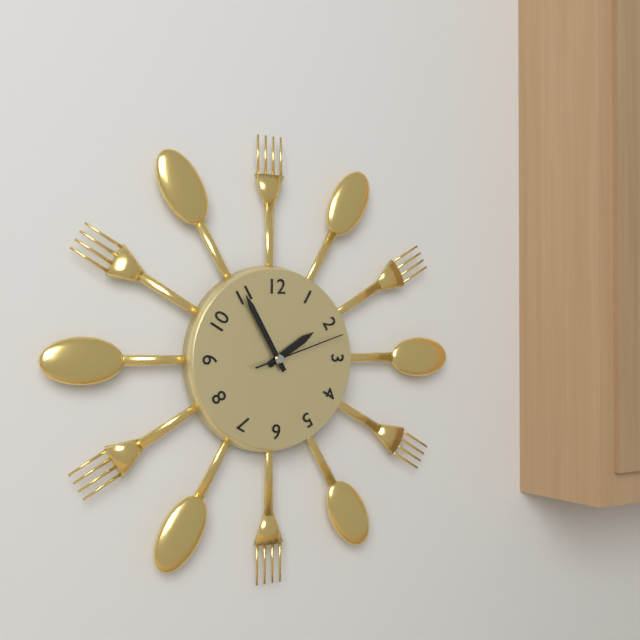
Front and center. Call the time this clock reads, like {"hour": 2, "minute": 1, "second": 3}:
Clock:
{"hour": 1, "minute": 55, "second": 12}
